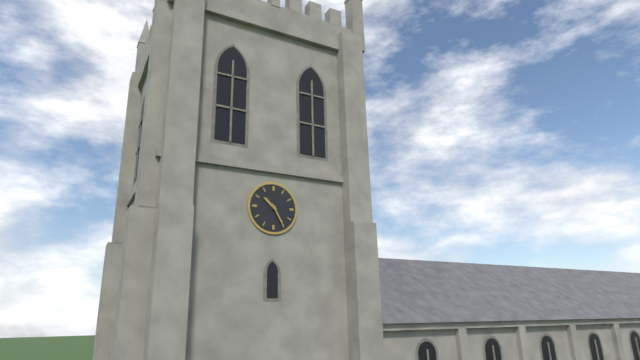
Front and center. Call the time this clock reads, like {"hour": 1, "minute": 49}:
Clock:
{"hour": 10, "minute": 25}
